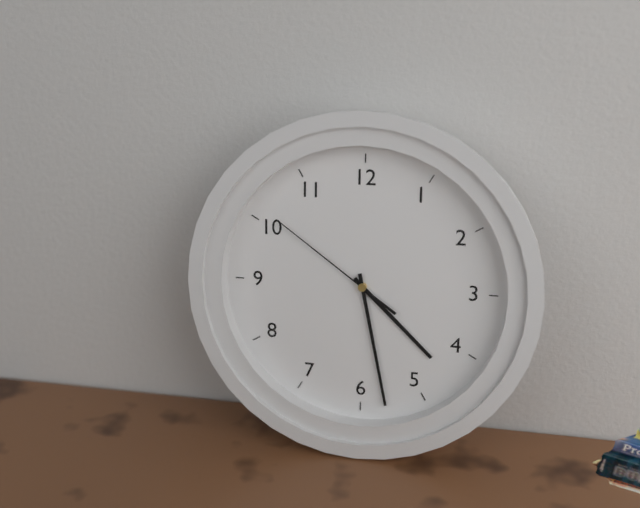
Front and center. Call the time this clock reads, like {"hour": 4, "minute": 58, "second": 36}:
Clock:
{"hour": 4, "minute": 28, "second": 51}
